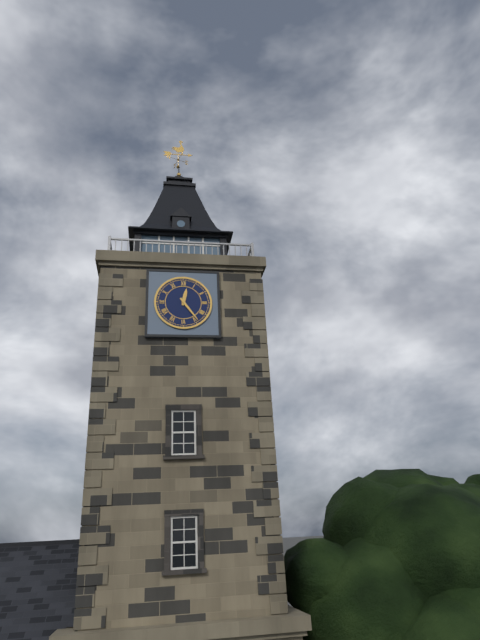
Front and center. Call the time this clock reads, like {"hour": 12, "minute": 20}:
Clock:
{"hour": 12, "minute": 24}
